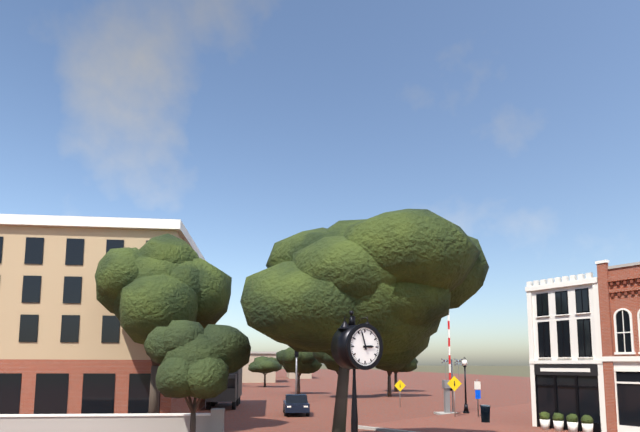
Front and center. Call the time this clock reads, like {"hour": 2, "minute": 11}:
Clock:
{"hour": 2, "minute": 57}
